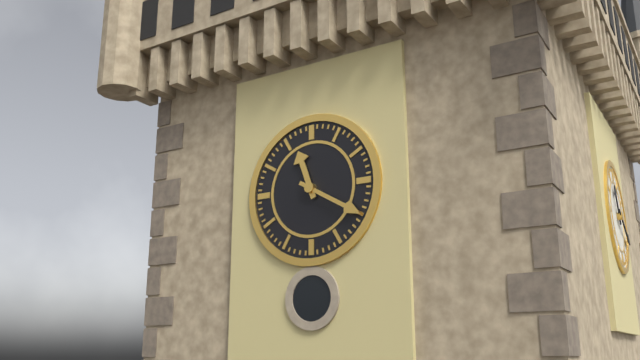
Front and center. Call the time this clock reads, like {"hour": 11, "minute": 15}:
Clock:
{"hour": 11, "minute": 20}
